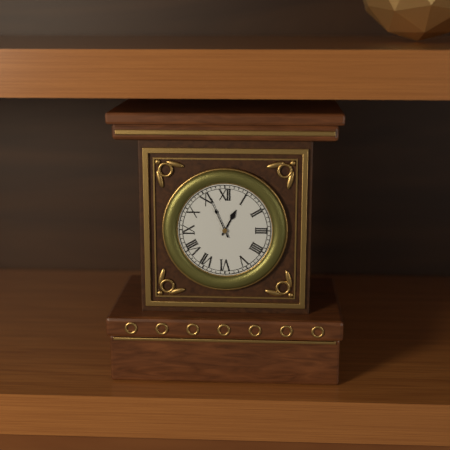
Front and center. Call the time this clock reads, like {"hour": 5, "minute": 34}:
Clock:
{"hour": 12, "minute": 56}
